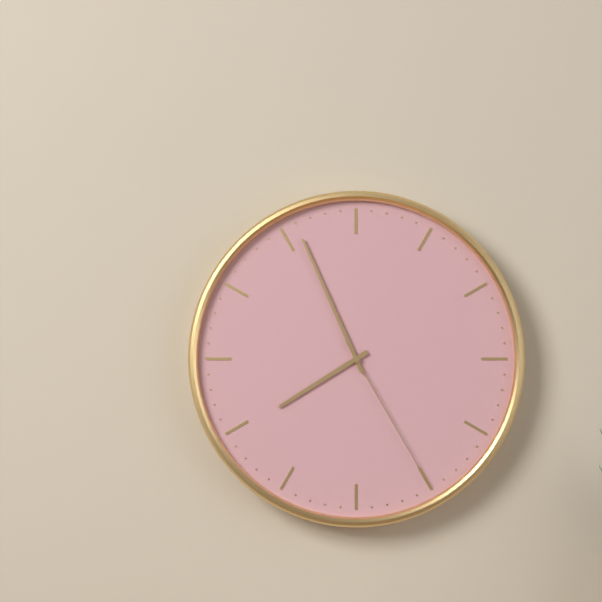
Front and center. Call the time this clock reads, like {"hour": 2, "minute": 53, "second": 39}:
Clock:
{"hour": 7, "minute": 56, "second": 25}
